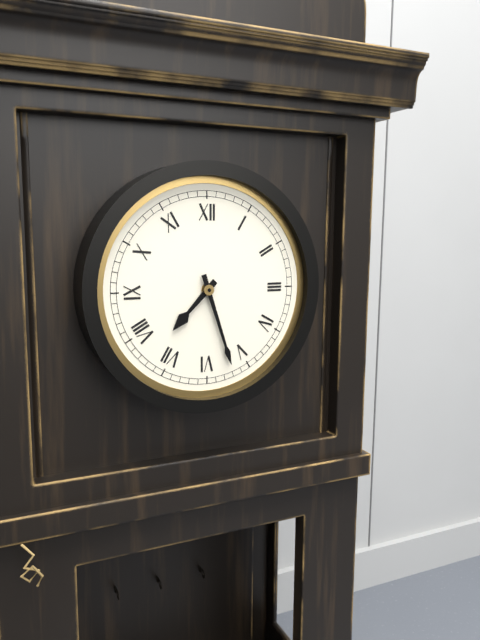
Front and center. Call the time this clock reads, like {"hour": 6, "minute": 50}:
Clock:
{"hour": 7, "minute": 27}
